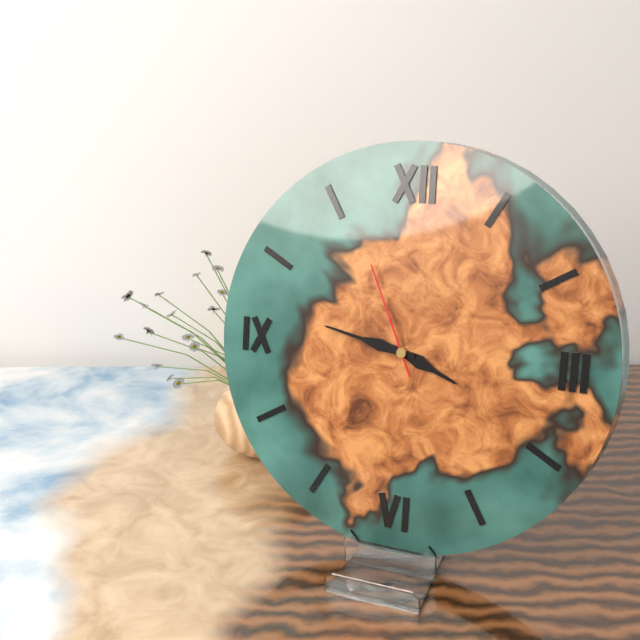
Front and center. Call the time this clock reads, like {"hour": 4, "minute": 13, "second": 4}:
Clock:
{"hour": 3, "minute": 47, "second": 56}
